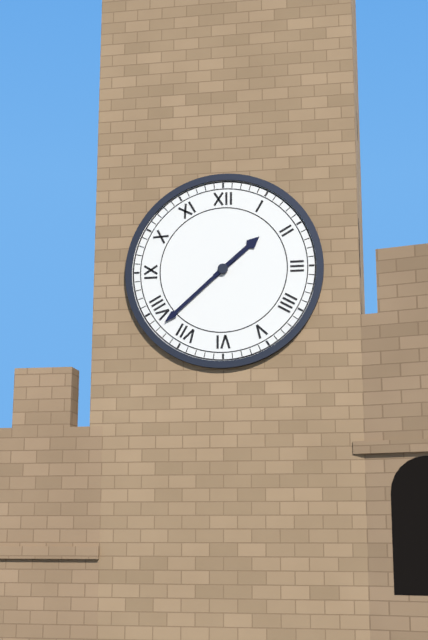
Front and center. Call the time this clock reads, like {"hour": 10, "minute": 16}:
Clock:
{"hour": 1, "minute": 38}
